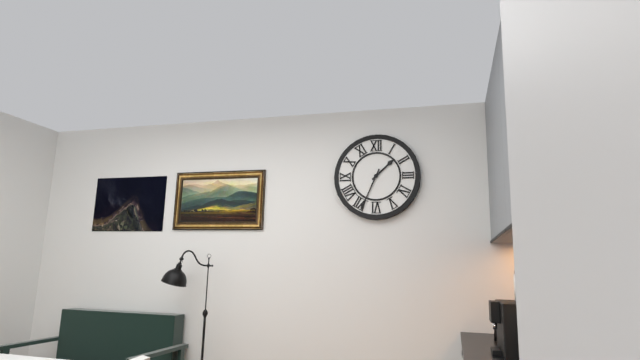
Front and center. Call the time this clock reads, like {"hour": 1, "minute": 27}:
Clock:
{"hour": 1, "minute": 34}
